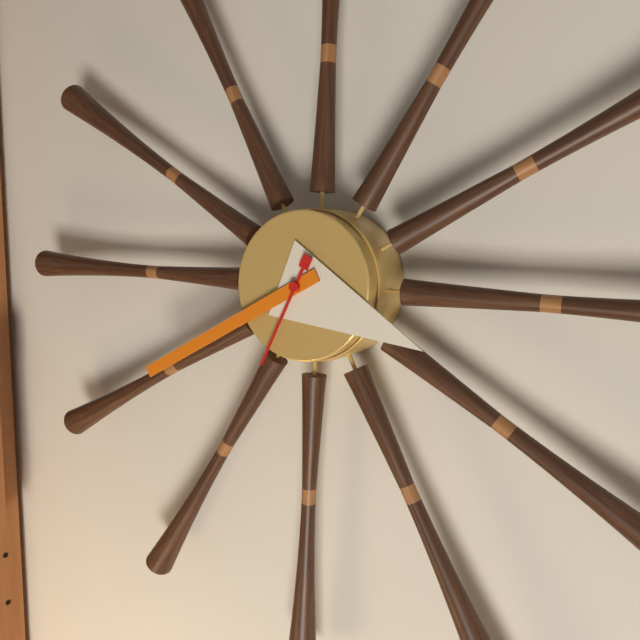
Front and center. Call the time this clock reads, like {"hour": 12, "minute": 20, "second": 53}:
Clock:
{"hour": 3, "minute": 40, "second": 34}
